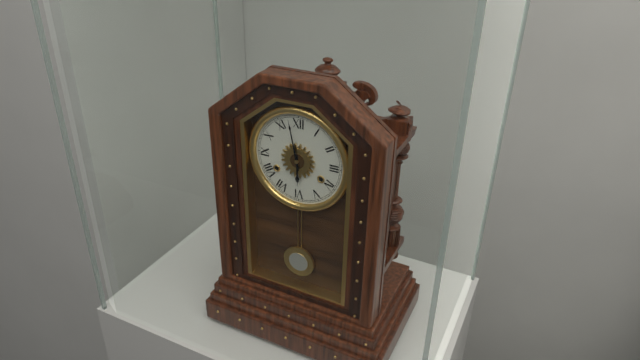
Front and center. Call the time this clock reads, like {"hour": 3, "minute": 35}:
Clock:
{"hour": 5, "minute": 58}
